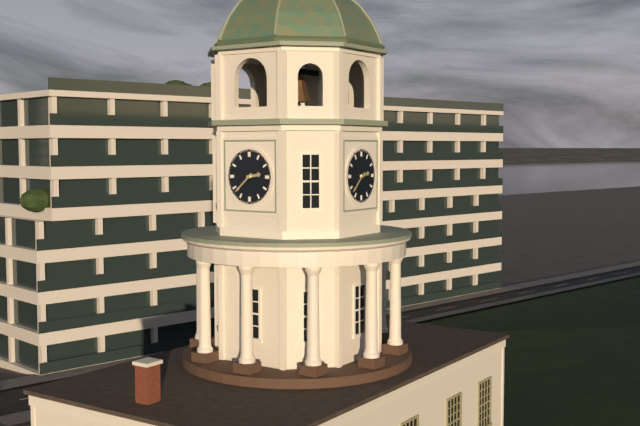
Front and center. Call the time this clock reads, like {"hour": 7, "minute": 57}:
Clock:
{"hour": 2, "minute": 38}
